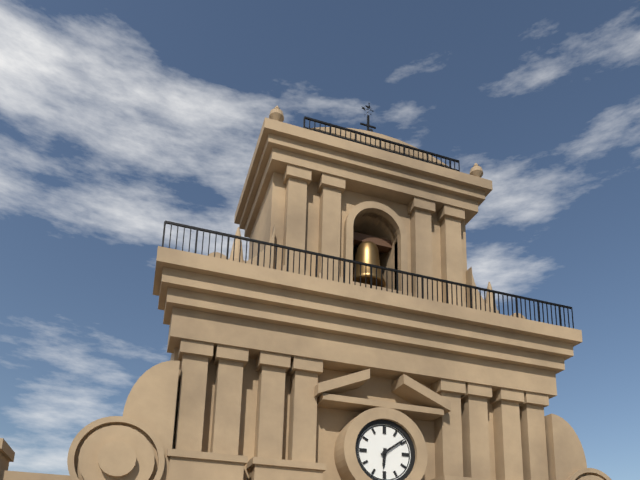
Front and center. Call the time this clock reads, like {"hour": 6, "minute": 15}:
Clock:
{"hour": 6, "minute": 9}
